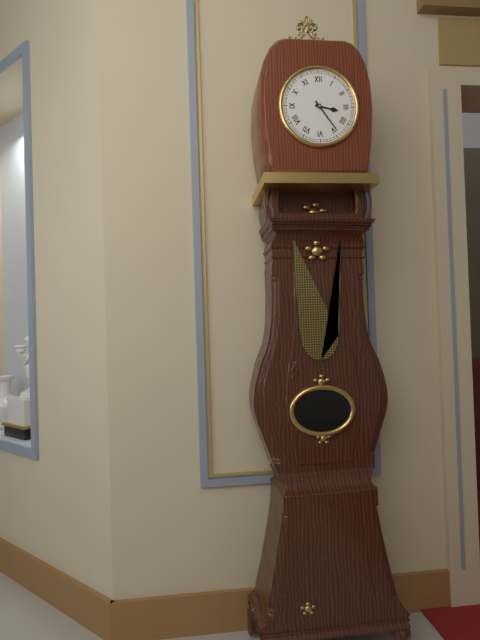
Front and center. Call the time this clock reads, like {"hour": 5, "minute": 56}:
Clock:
{"hour": 3, "minute": 24}
